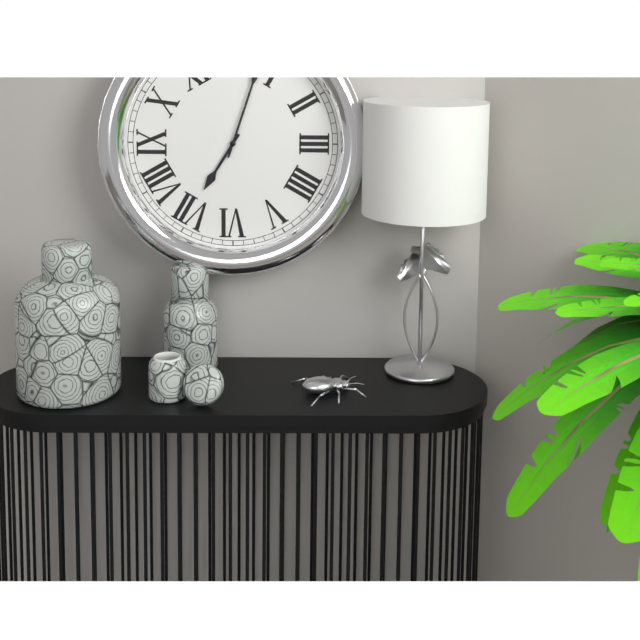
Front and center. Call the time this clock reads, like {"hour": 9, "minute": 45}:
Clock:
{"hour": 7, "minute": 3}
